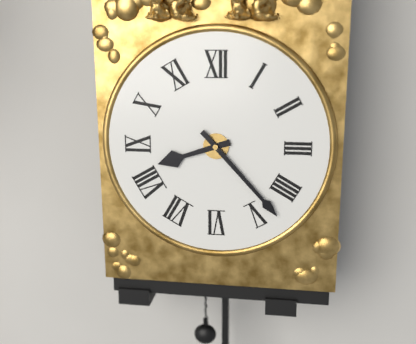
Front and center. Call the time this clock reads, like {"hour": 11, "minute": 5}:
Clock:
{"hour": 8, "minute": 23}
